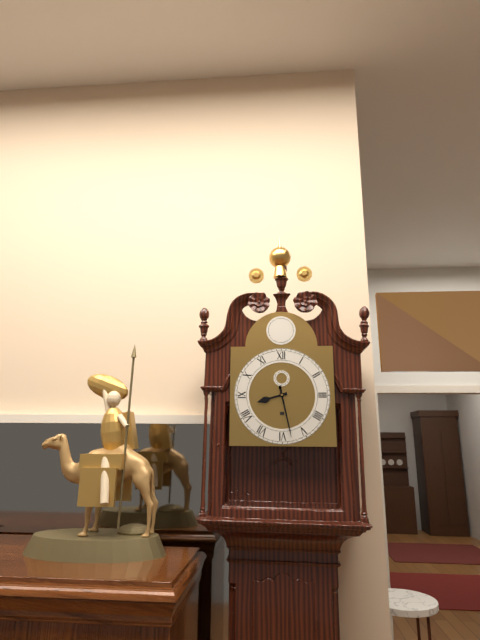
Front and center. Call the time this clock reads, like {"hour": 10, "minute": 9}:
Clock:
{"hour": 8, "minute": 28}
